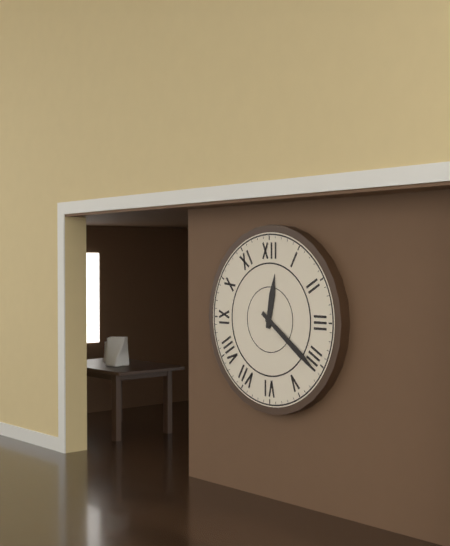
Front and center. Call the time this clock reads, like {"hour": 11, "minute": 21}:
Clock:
{"hour": 12, "minute": 21}
